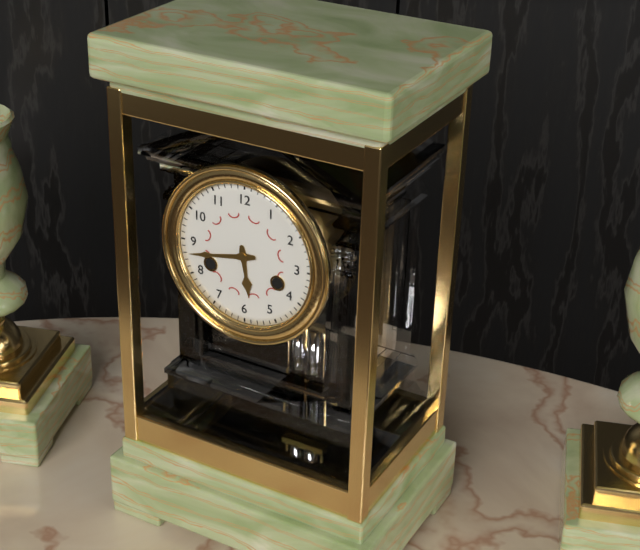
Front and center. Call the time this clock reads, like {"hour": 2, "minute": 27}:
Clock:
{"hour": 5, "minute": 43}
